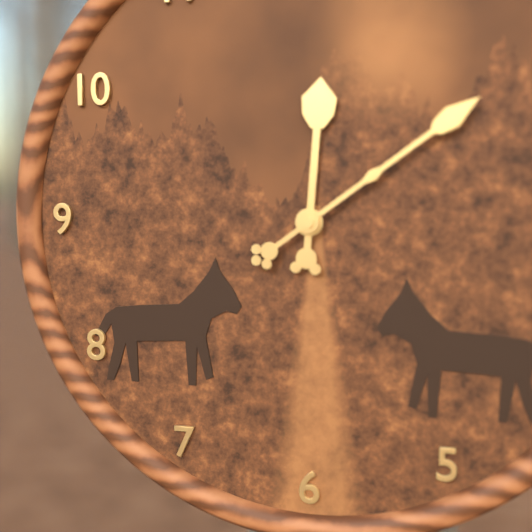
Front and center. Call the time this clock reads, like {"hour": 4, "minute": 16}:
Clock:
{"hour": 12, "minute": 9}
